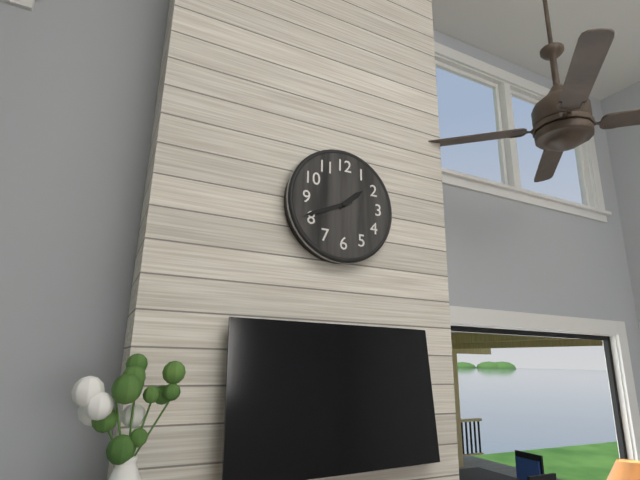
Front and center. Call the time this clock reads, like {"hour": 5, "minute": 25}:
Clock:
{"hour": 1, "minute": 41}
